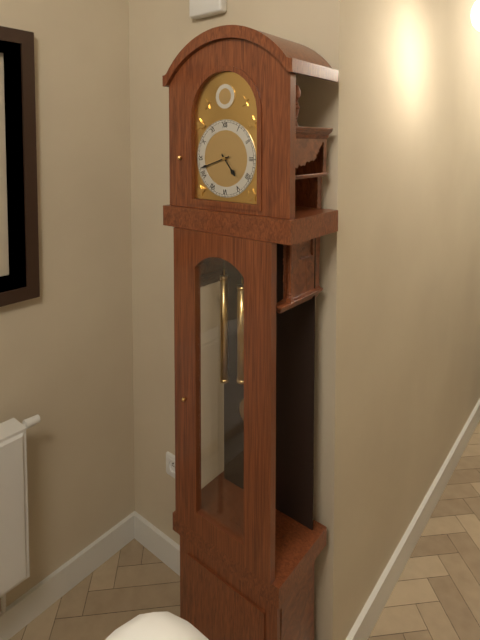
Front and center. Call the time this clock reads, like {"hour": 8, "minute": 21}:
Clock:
{"hour": 4, "minute": 42}
